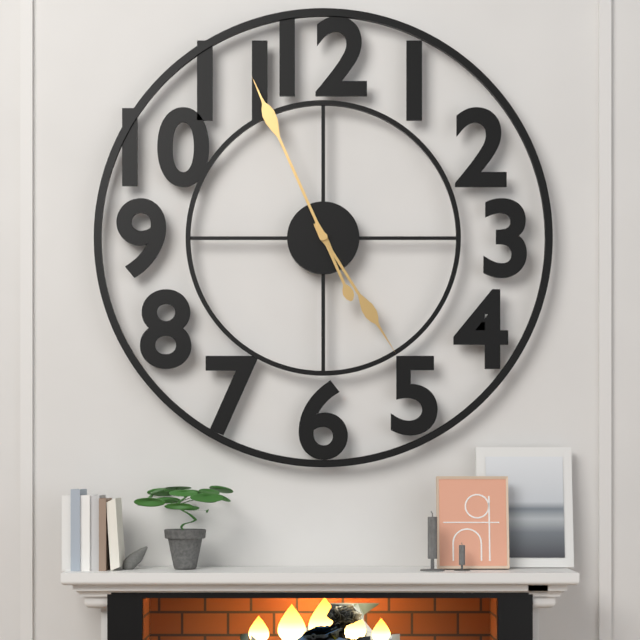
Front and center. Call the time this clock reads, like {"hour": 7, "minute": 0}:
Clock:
{"hour": 4, "minute": 56}
